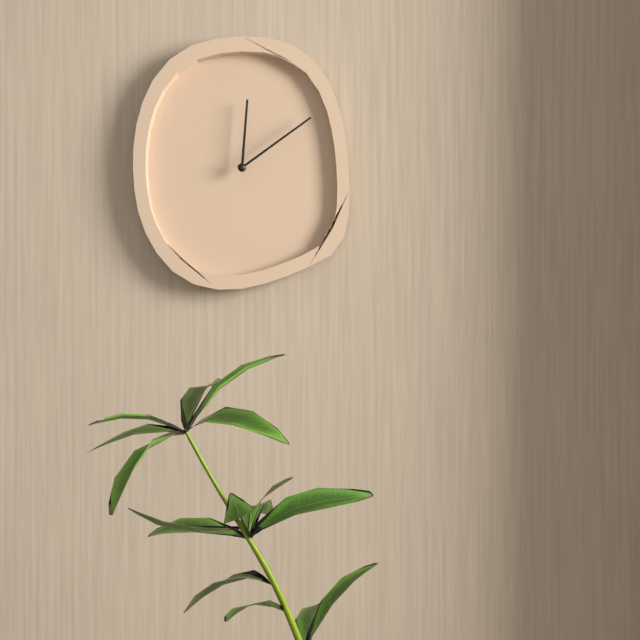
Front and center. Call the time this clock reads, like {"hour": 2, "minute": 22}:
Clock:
{"hour": 12, "minute": 9}
